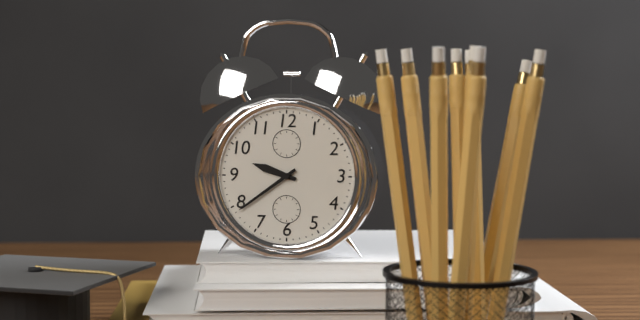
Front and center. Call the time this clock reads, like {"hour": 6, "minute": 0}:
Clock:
{"hour": 9, "minute": 39}
